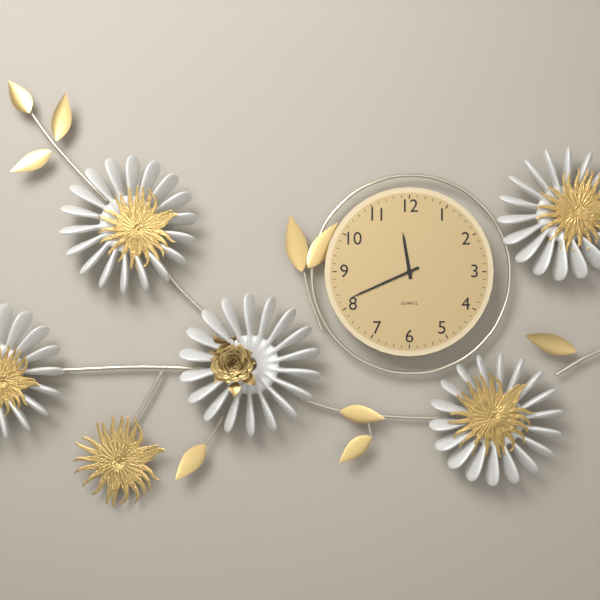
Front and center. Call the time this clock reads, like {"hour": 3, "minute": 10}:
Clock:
{"hour": 11, "minute": 41}
